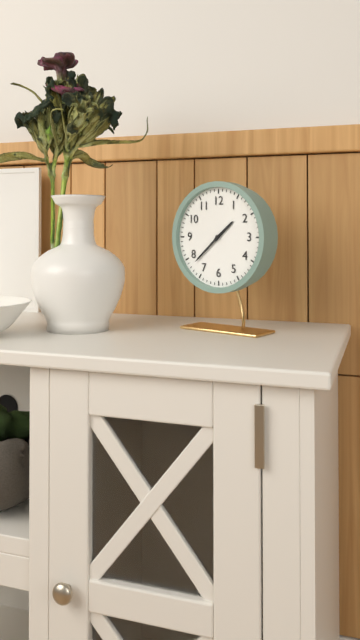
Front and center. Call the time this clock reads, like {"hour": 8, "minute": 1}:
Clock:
{"hour": 1, "minute": 38}
